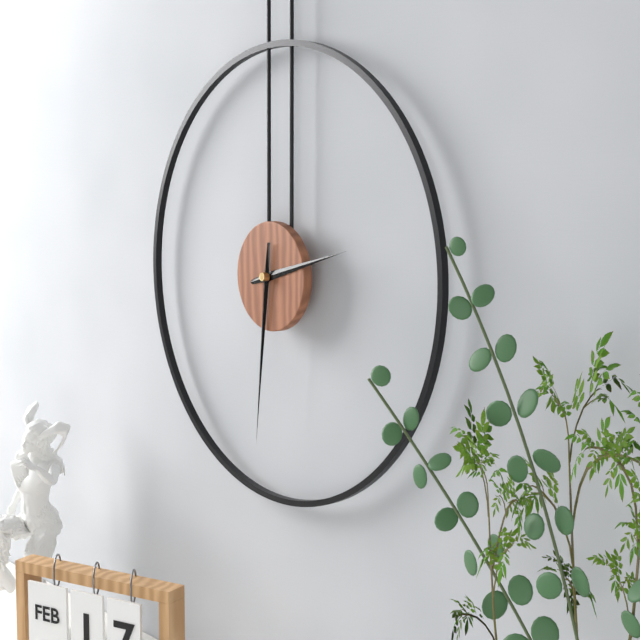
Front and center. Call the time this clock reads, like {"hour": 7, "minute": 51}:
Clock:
{"hour": 2, "minute": 31}
